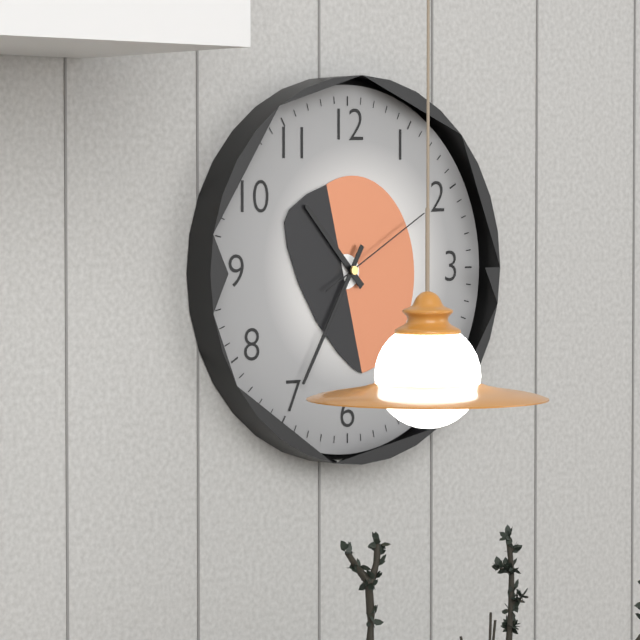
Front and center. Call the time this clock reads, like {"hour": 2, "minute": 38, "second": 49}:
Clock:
{"hour": 10, "minute": 35, "second": 10}
